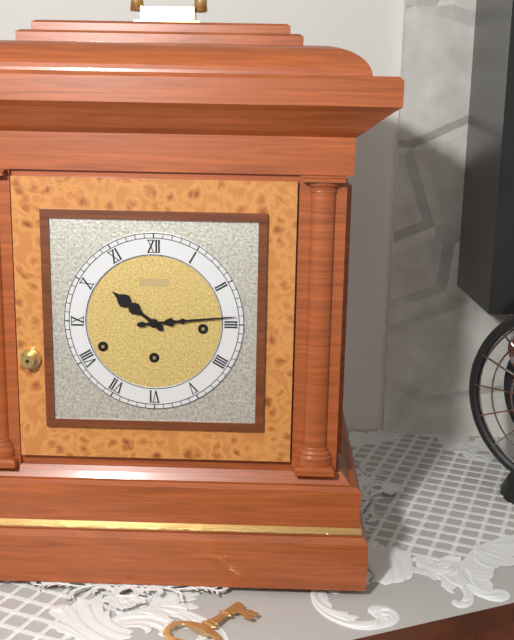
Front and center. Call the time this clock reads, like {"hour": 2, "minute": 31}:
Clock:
{"hour": 10, "minute": 14}
